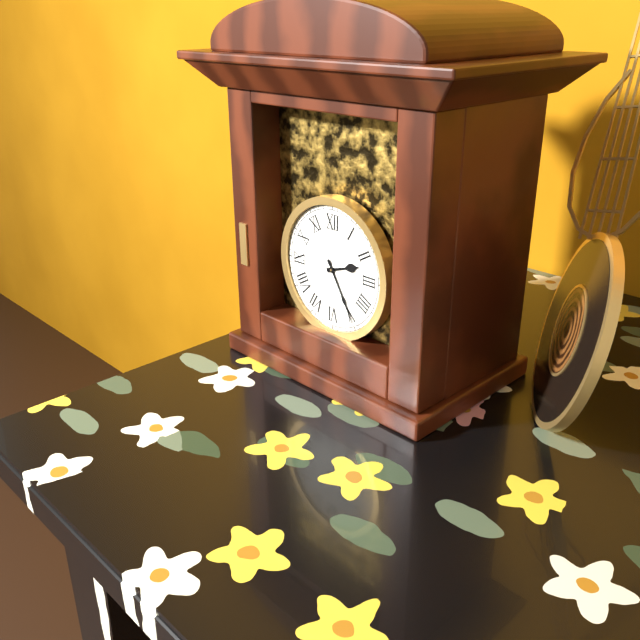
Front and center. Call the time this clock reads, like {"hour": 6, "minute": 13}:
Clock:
{"hour": 2, "minute": 25}
